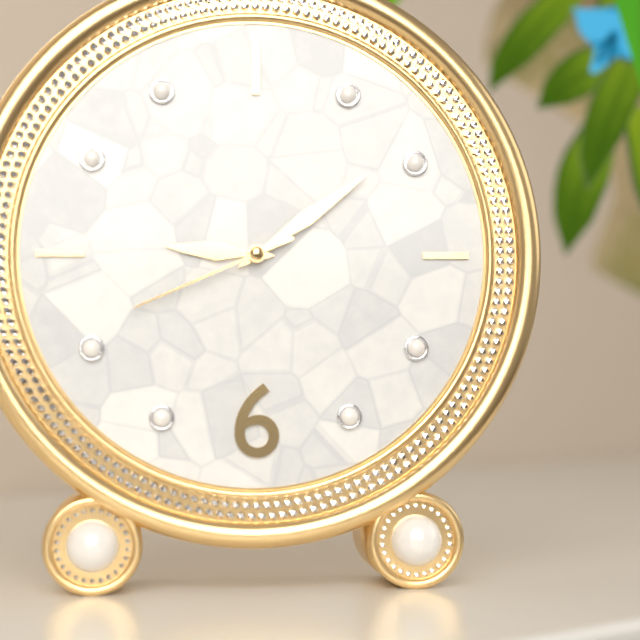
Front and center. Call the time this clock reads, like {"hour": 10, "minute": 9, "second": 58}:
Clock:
{"hour": 9, "minute": 9, "second": 41}
